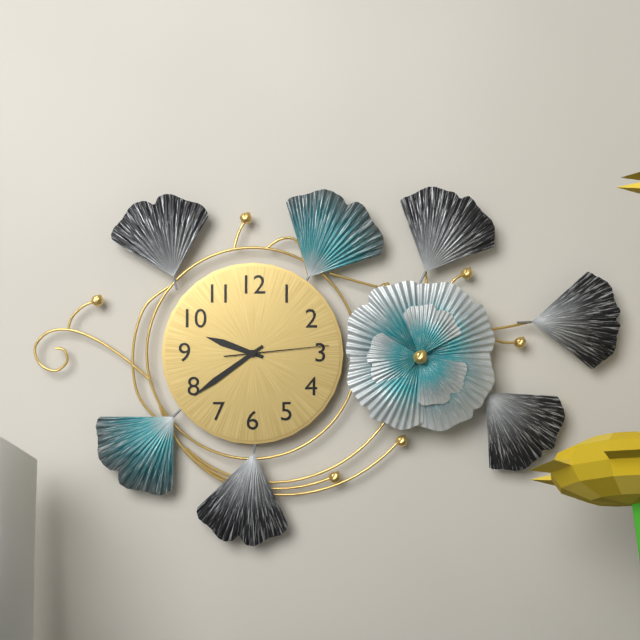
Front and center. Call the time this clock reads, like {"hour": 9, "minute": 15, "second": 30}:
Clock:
{"hour": 9, "minute": 39, "second": 14}
